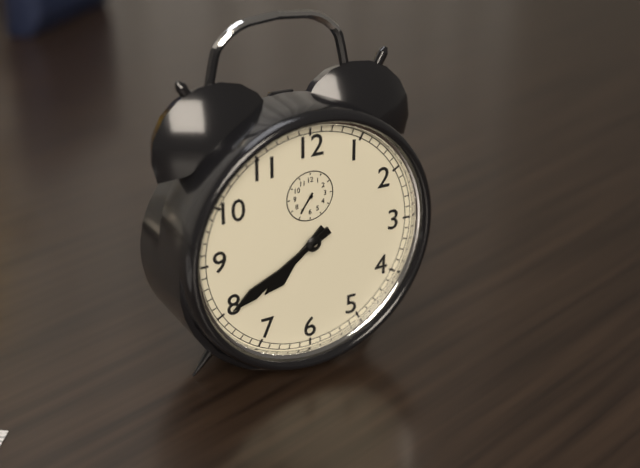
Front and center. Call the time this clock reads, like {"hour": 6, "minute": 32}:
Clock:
{"hour": 7, "minute": 40}
